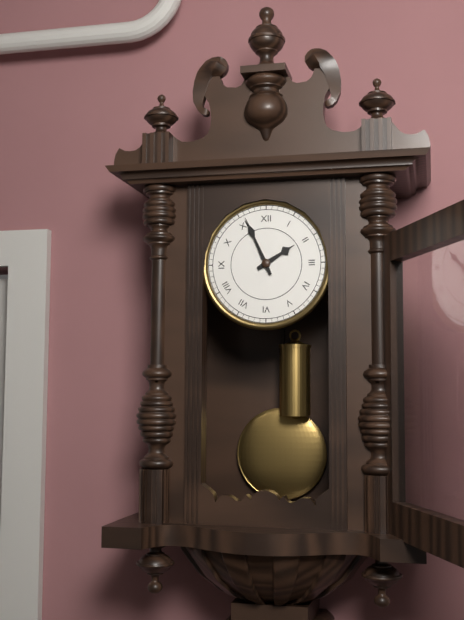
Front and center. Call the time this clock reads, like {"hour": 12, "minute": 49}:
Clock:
{"hour": 1, "minute": 56}
